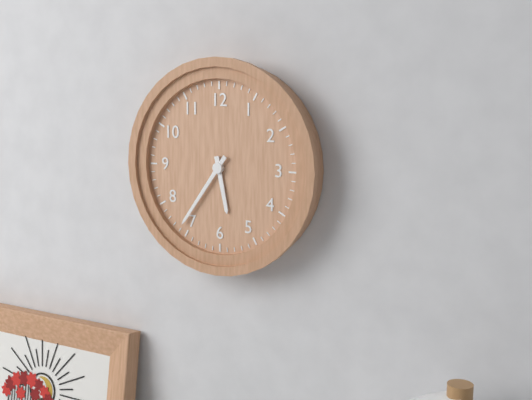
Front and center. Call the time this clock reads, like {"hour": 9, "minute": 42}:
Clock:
{"hour": 5, "minute": 36}
